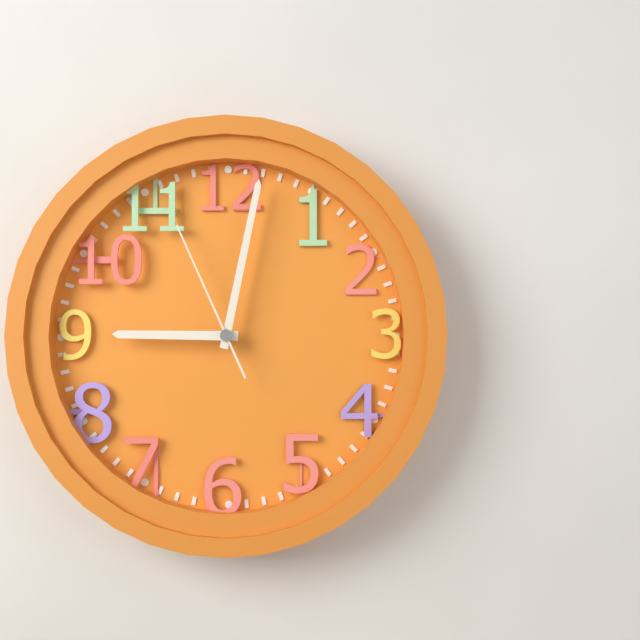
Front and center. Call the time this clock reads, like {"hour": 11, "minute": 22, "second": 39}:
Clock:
{"hour": 9, "minute": 2, "second": 56}
